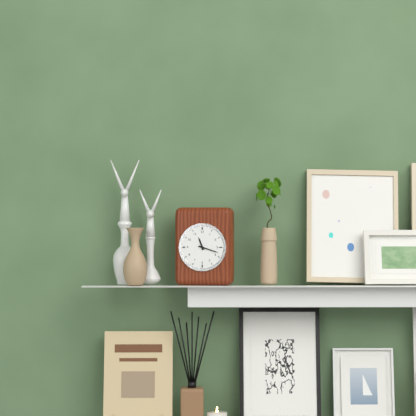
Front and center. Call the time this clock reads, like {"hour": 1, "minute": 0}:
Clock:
{"hour": 11, "minute": 18}
